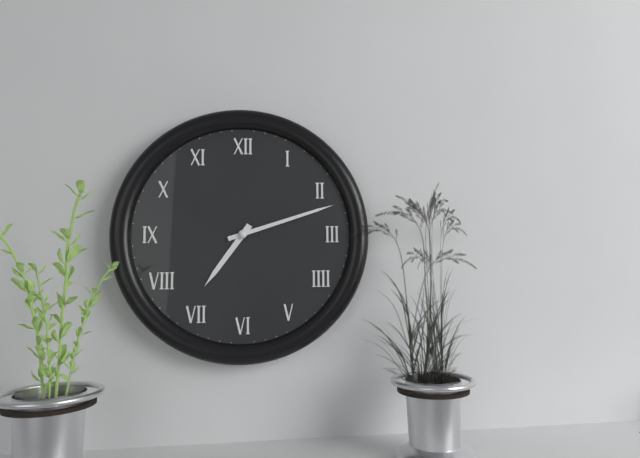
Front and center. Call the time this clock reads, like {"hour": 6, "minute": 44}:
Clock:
{"hour": 7, "minute": 12}
